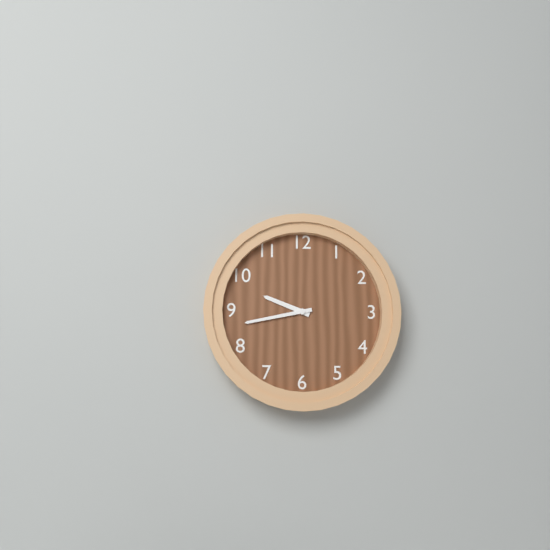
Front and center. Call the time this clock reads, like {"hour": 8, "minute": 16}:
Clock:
{"hour": 9, "minute": 43}
